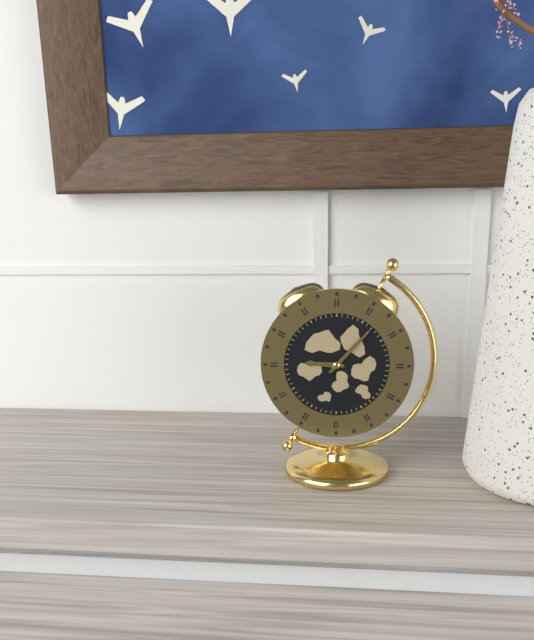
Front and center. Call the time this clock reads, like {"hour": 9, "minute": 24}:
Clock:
{"hour": 9, "minute": 7}
